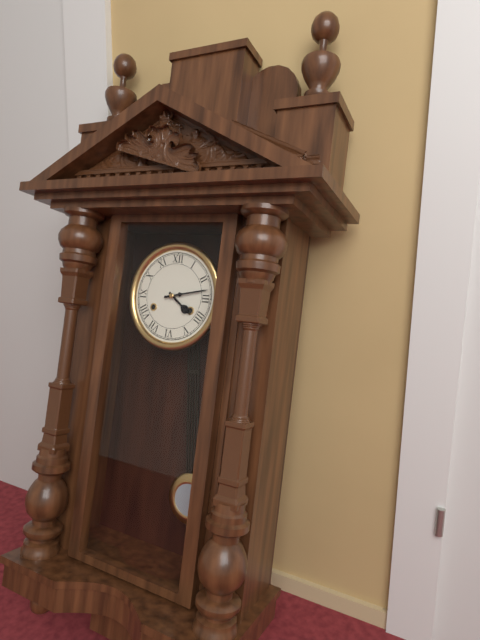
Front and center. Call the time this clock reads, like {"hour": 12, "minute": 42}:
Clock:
{"hour": 4, "minute": 13}
